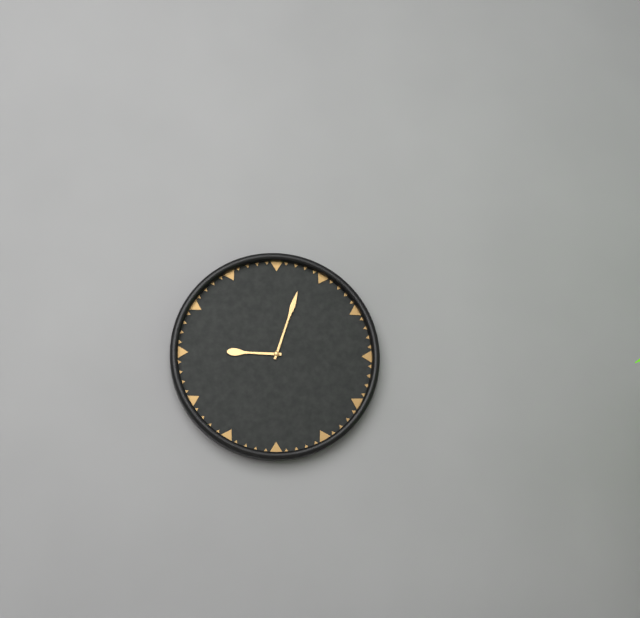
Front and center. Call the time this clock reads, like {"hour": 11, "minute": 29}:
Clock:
{"hour": 9, "minute": 3}
